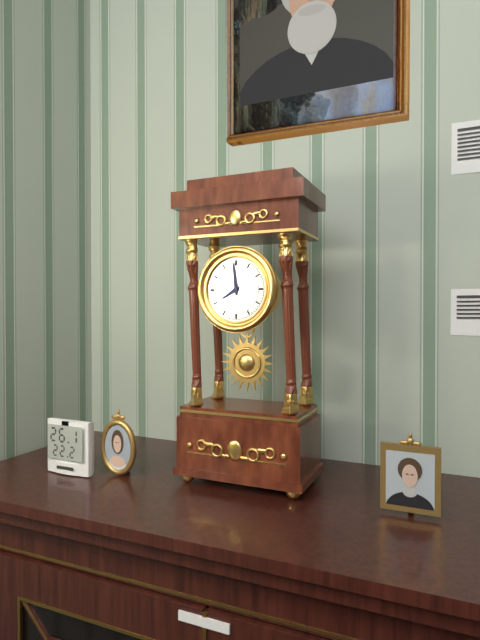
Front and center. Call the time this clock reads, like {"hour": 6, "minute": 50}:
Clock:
{"hour": 7, "minute": 59}
